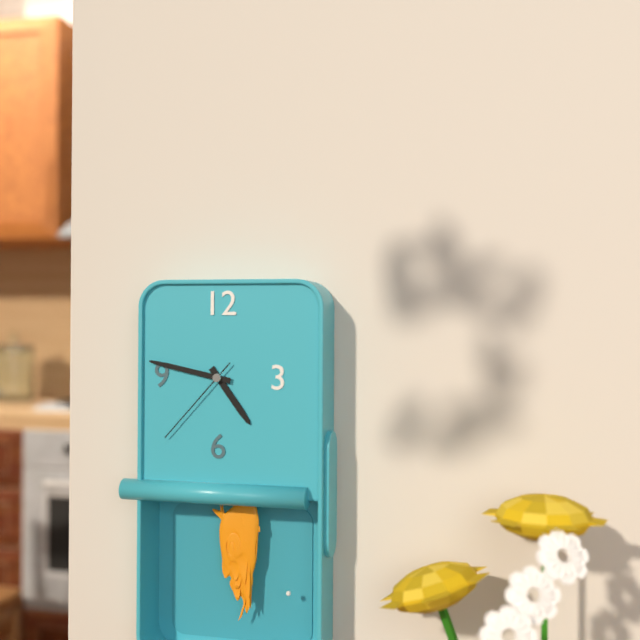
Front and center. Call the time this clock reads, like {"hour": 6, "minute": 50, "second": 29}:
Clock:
{"hour": 4, "minute": 47, "second": 37}
